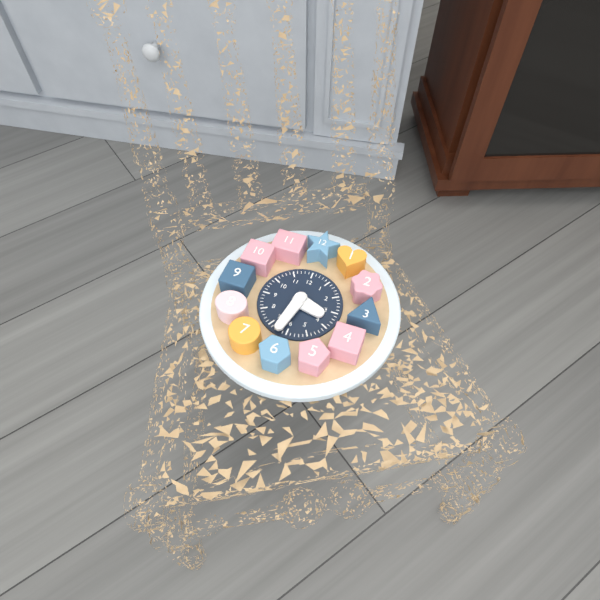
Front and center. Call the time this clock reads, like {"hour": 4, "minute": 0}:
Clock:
{"hour": 3, "minute": 32}
